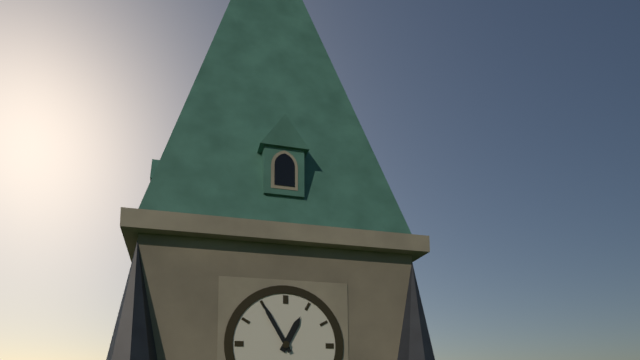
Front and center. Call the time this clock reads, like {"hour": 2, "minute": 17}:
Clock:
{"hour": 12, "minute": 55}
